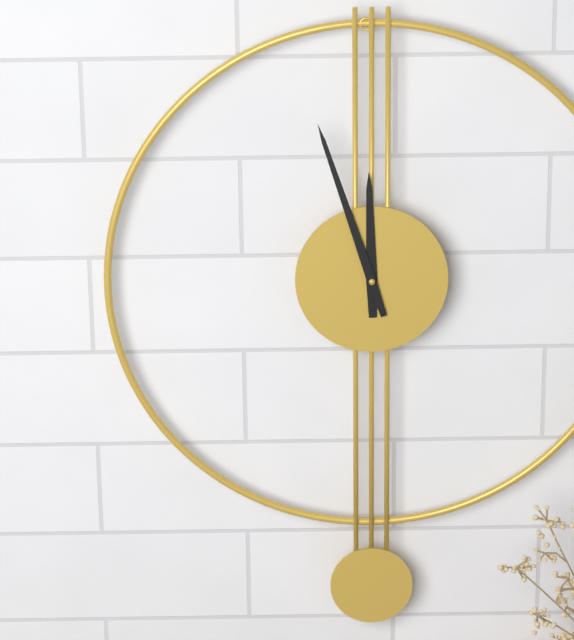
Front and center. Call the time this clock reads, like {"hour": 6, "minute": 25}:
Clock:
{"hour": 11, "minute": 57}
